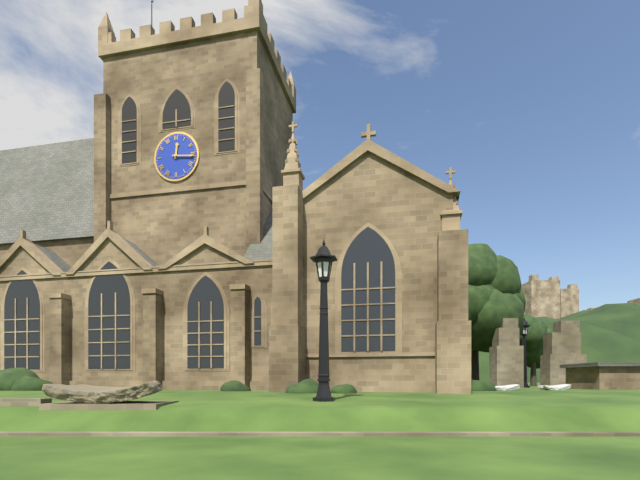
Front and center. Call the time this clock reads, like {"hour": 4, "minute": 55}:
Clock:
{"hour": 12, "minute": 16}
